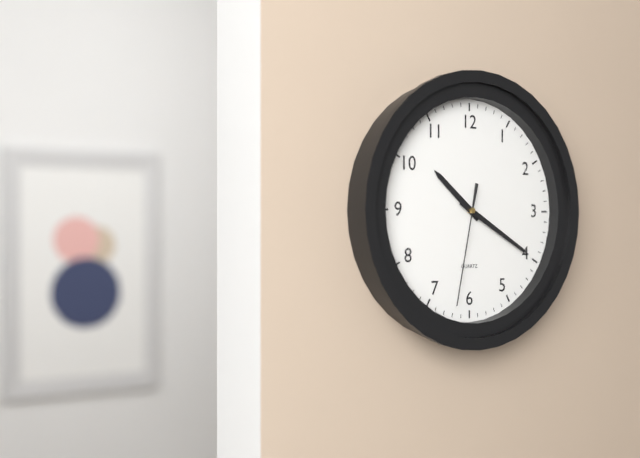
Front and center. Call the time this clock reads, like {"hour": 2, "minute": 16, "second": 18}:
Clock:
{"hour": 10, "minute": 20, "second": 32}
